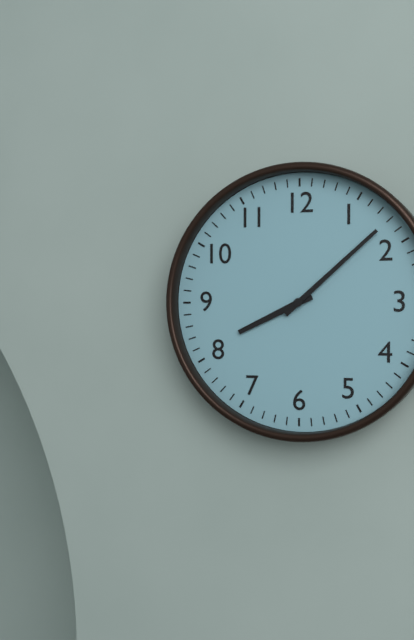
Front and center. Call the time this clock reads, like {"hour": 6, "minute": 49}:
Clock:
{"hour": 8, "minute": 8}
